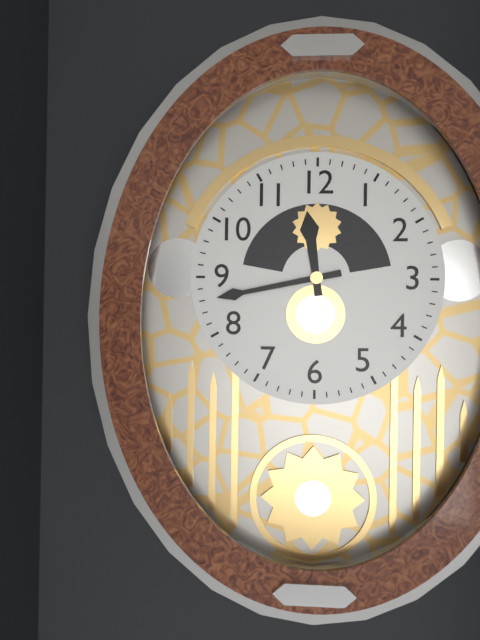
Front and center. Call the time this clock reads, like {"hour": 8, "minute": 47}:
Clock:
{"hour": 11, "minute": 43}
